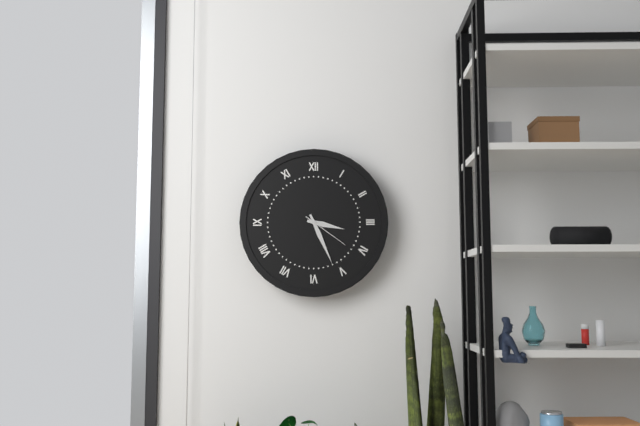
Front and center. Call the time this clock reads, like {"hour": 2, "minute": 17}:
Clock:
{"hour": 3, "minute": 26}
